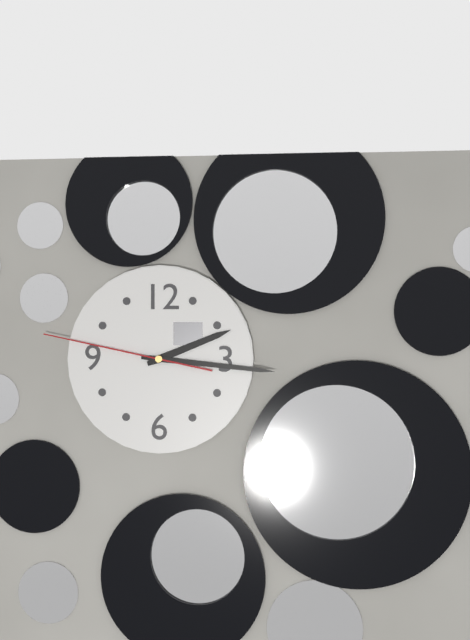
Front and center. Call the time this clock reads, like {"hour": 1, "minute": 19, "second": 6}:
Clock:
{"hour": 2, "minute": 16, "second": 47}
